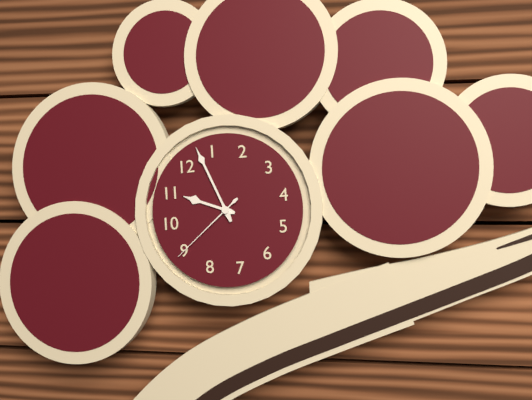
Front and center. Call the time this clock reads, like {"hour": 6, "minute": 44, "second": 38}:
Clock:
{"hour": 11, "minute": 3, "second": 45}
